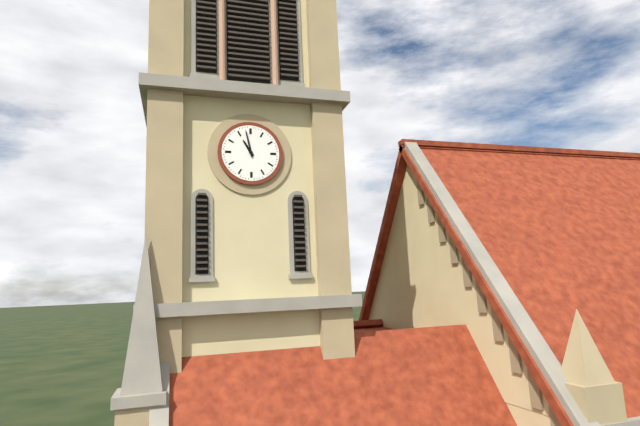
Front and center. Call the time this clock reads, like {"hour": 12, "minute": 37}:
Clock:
{"hour": 10, "minute": 58}
